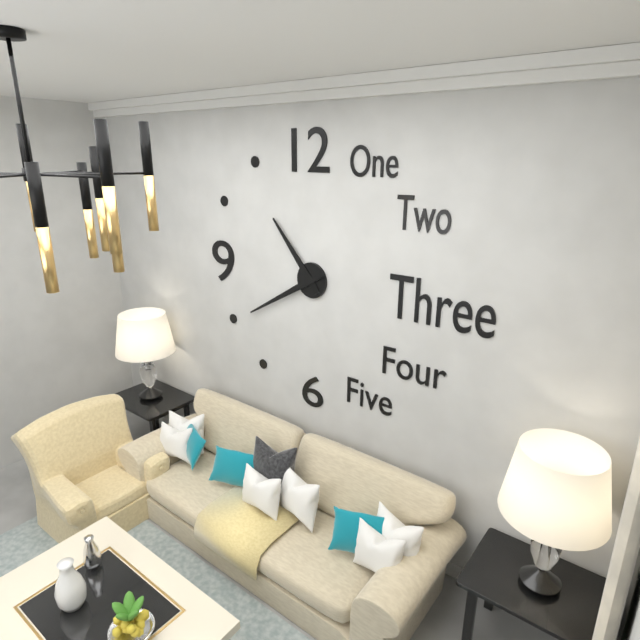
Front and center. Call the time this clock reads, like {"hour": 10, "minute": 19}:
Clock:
{"hour": 10, "minute": 40}
